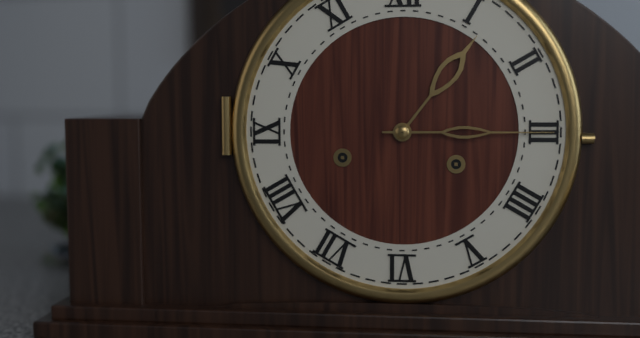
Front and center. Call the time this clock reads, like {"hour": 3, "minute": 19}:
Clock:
{"hour": 1, "minute": 15}
